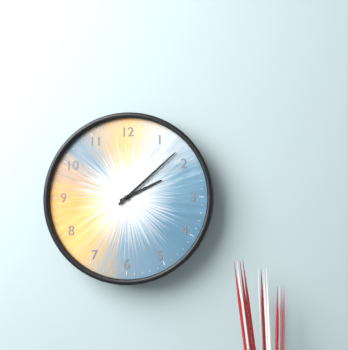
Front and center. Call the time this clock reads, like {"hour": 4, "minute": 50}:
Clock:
{"hour": 2, "minute": 8}
